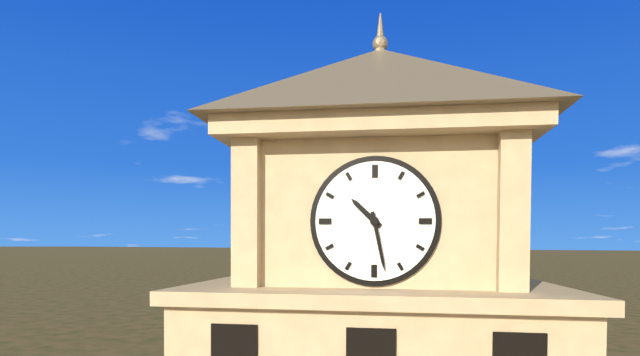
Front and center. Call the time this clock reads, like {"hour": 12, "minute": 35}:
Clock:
{"hour": 10, "minute": 28}
